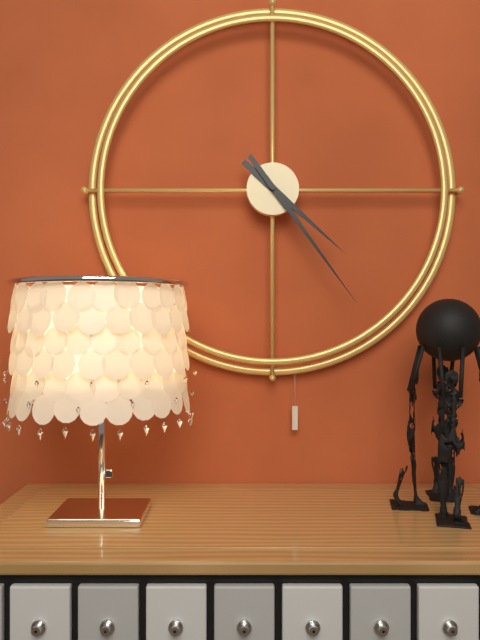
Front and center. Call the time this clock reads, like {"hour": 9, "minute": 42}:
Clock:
{"hour": 4, "minute": 24}
